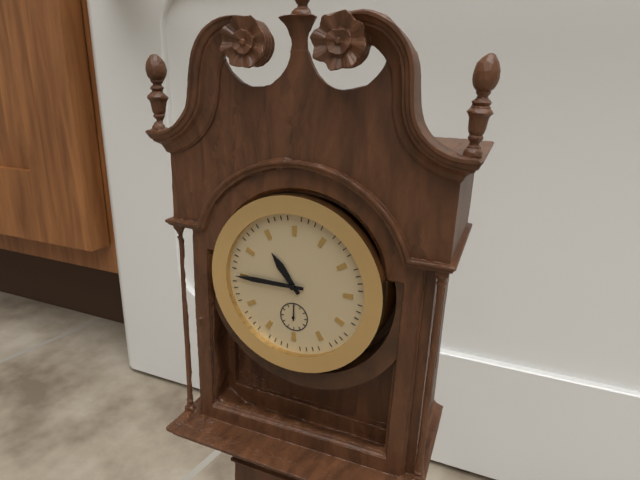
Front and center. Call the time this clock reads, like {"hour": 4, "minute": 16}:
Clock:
{"hour": 10, "minute": 45}
